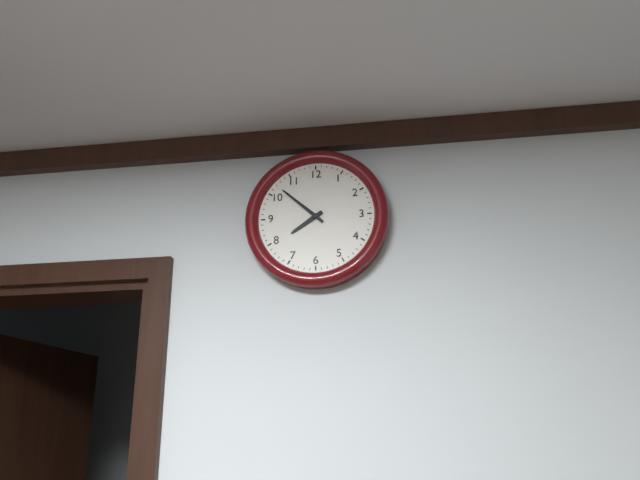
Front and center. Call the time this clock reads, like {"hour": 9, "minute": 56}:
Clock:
{"hour": 7, "minute": 52}
